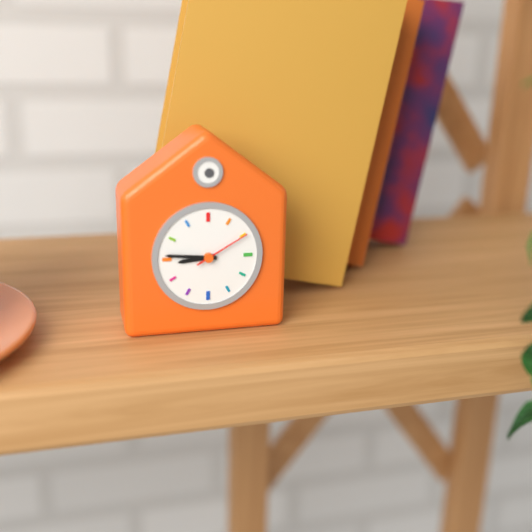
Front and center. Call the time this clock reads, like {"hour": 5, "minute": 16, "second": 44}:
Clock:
{"hour": 8, "minute": 46, "second": 10}
